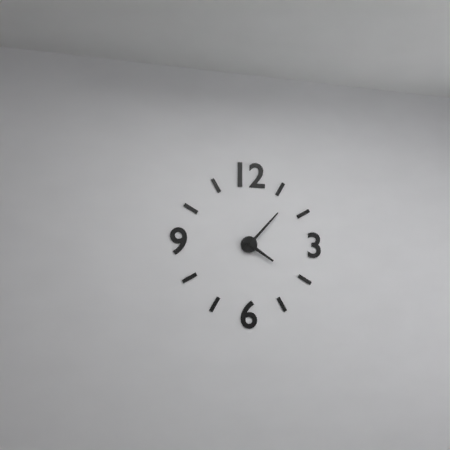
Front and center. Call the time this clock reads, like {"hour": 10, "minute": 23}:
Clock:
{"hour": 4, "minute": 7}
